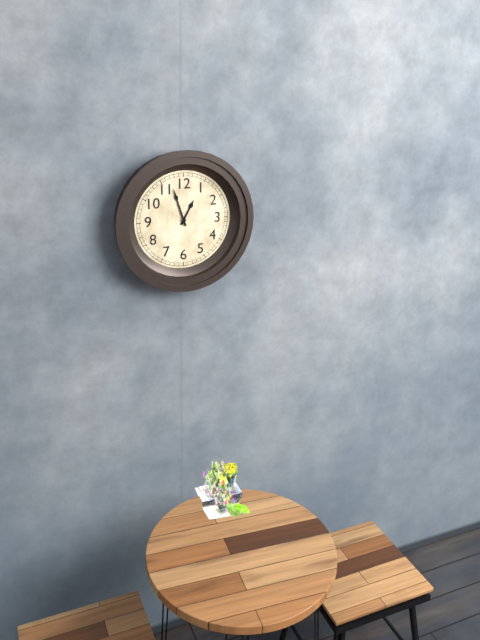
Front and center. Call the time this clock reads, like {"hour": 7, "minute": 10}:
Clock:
{"hour": 12, "minute": 57}
